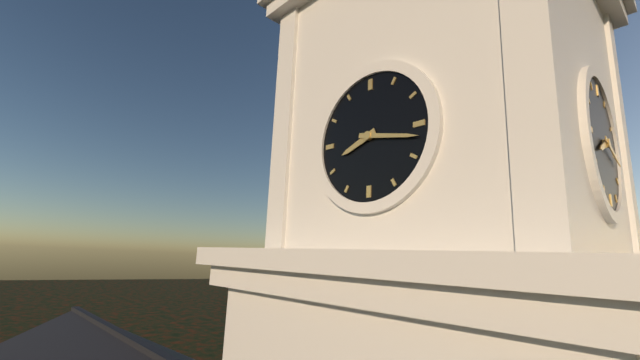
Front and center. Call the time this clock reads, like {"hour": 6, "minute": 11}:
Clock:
{"hour": 8, "minute": 17}
